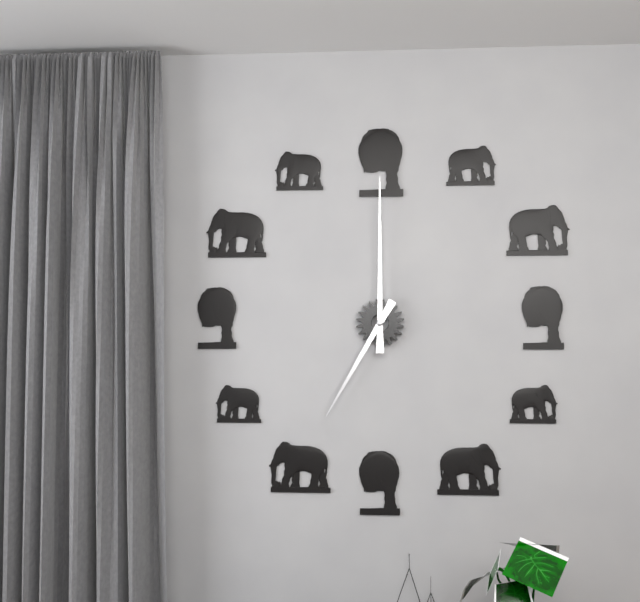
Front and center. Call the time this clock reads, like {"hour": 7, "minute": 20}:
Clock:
{"hour": 7, "minute": 0}
